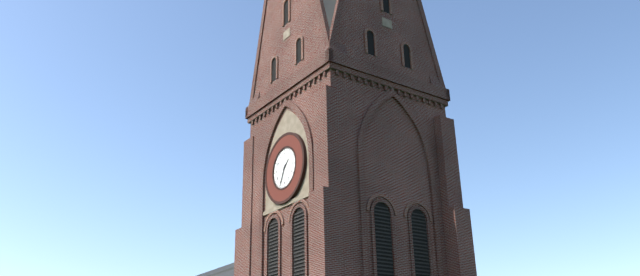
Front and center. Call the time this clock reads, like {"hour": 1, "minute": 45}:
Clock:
{"hour": 1, "minute": 34}
